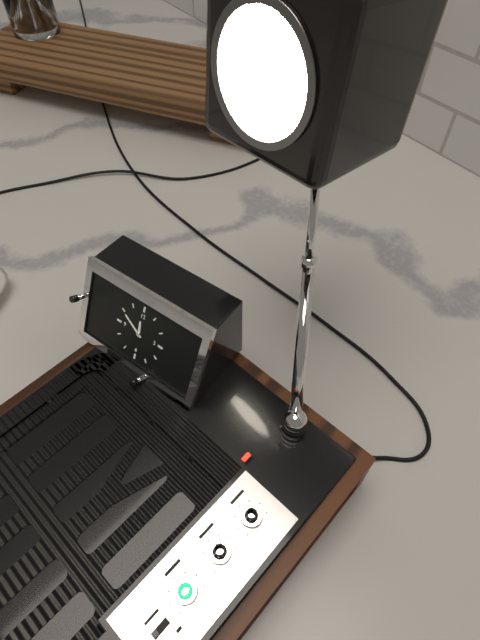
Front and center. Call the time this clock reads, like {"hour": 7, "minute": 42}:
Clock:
{"hour": 11, "minute": 50}
